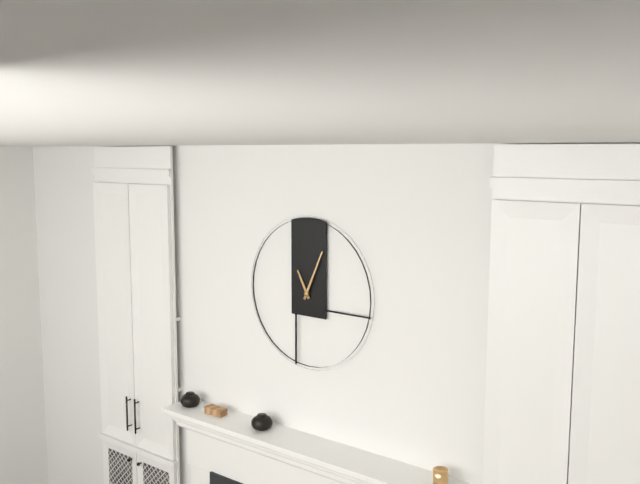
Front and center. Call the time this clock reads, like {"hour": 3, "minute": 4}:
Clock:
{"hour": 11, "minute": 4}
